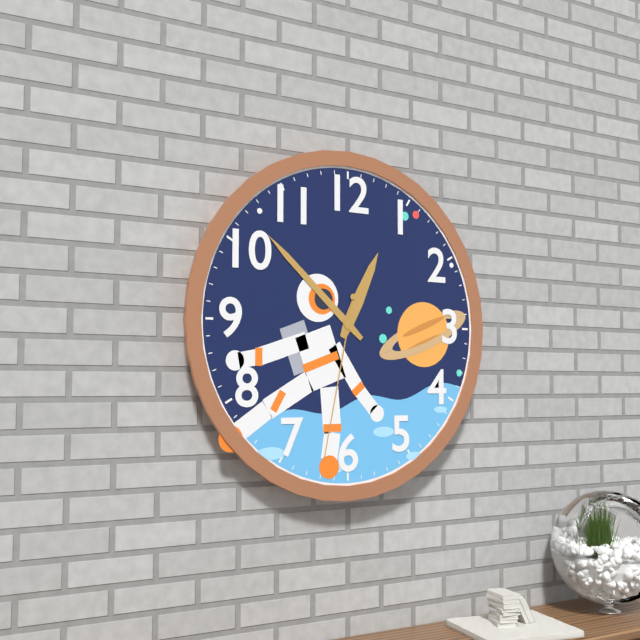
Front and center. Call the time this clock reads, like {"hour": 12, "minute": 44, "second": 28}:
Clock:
{"hour": 12, "minute": 52, "second": 32}
